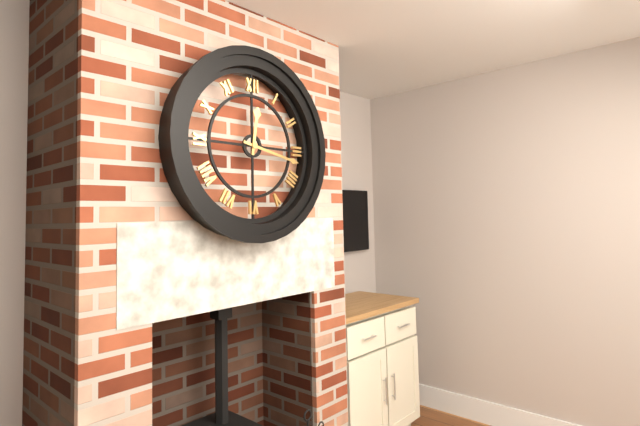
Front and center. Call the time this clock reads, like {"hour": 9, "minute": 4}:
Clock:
{"hour": 12, "minute": 17}
